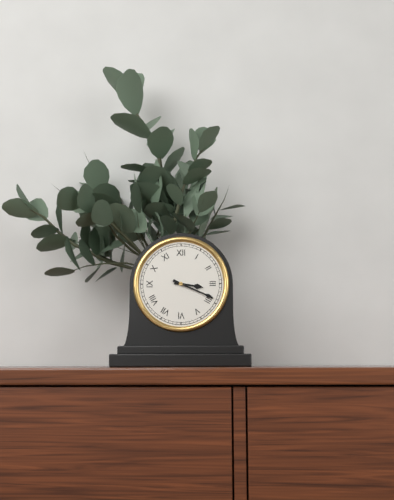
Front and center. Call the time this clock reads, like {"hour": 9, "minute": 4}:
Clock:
{"hour": 3, "minute": 19}
